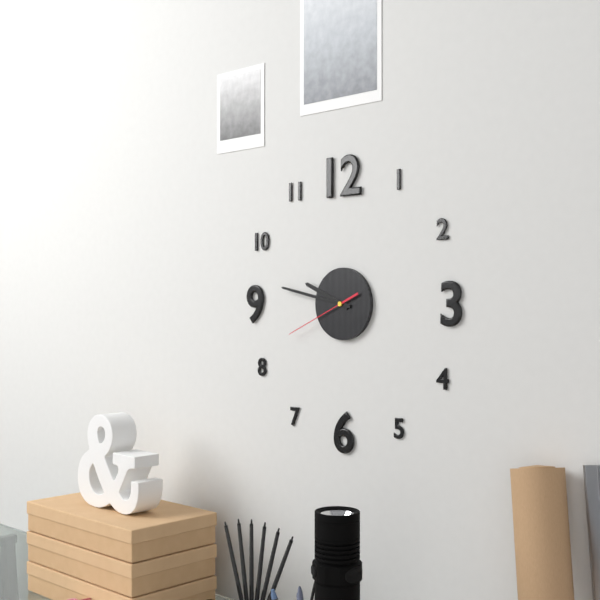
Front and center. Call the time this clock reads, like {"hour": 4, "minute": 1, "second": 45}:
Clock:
{"hour": 9, "minute": 47, "second": 41}
